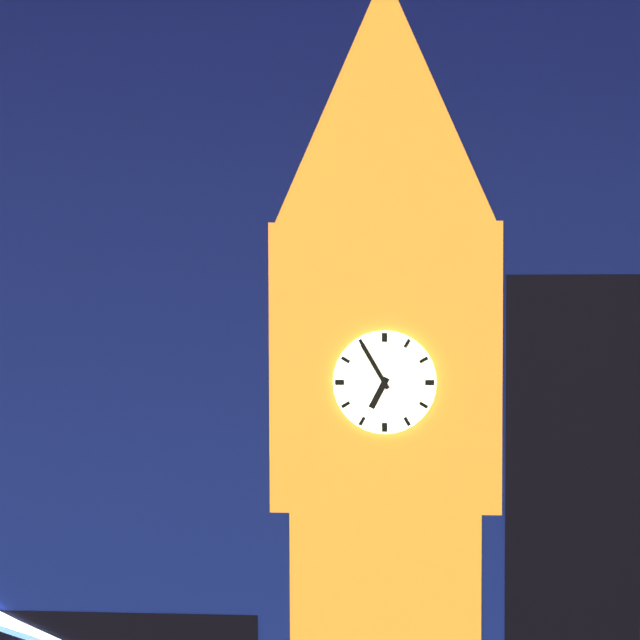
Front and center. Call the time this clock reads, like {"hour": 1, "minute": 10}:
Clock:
{"hour": 6, "minute": 55}
